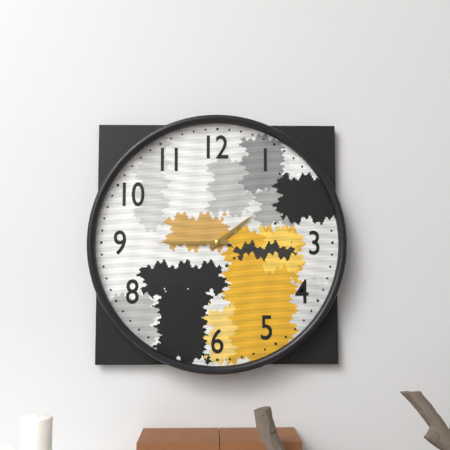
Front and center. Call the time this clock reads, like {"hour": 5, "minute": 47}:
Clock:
{"hour": 1, "minute": 45}
